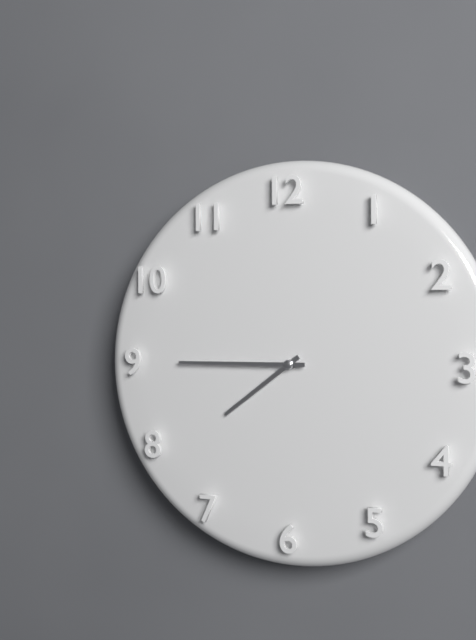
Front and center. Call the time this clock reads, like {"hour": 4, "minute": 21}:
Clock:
{"hour": 7, "minute": 45}
